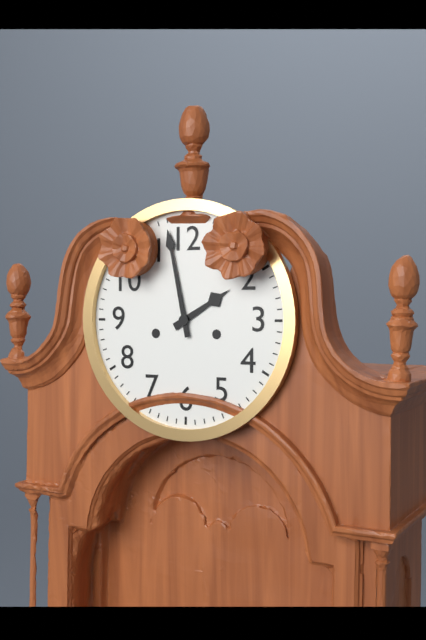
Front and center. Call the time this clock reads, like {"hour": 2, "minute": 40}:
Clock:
{"hour": 1, "minute": 58}
